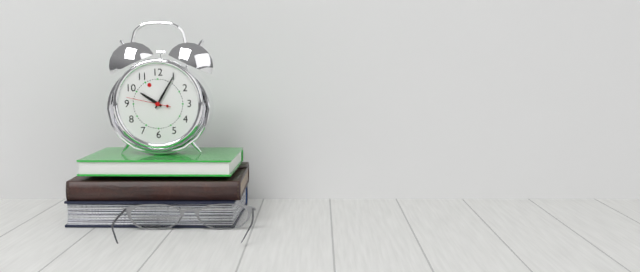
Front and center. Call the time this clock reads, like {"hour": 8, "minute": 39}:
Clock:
{"hour": 10, "minute": 5}
